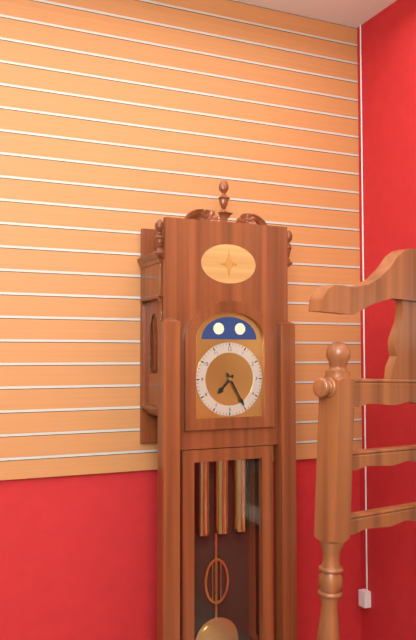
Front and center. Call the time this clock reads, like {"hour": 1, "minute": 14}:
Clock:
{"hour": 7, "minute": 25}
